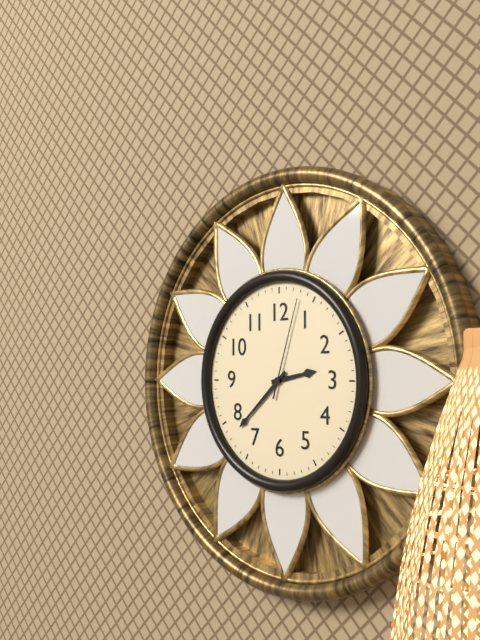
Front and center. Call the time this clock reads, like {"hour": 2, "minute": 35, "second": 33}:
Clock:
{"hour": 2, "minute": 38, "second": 3}
